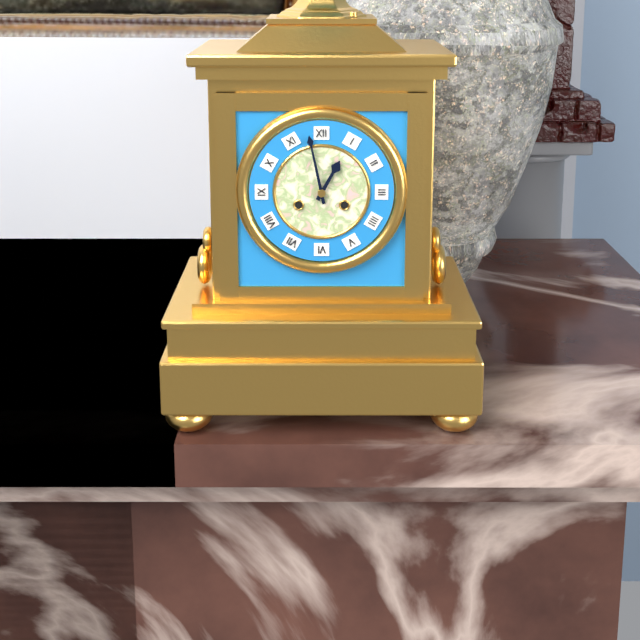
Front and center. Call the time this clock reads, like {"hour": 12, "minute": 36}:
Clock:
{"hour": 12, "minute": 58}
